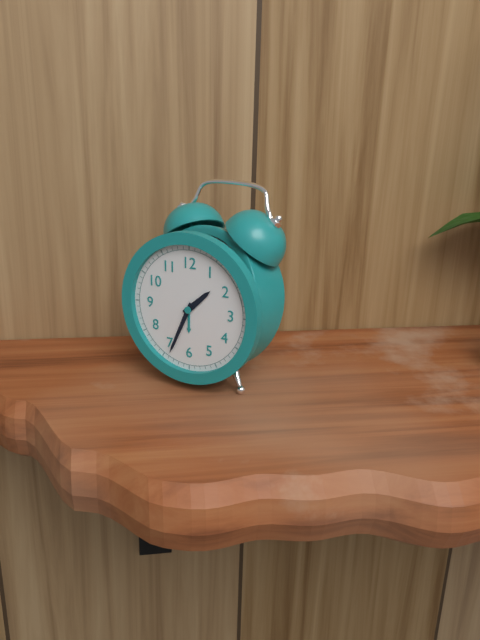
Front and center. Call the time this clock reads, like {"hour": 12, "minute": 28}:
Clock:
{"hour": 1, "minute": 34}
